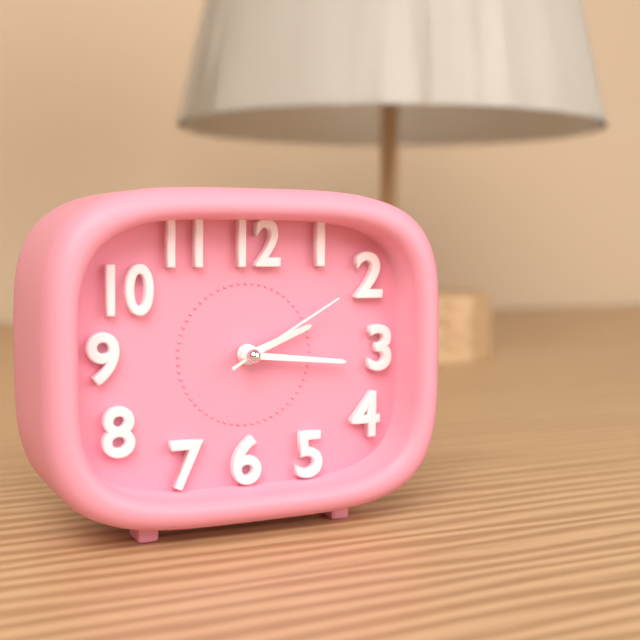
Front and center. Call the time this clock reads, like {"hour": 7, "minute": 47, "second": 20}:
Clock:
{"hour": 2, "minute": 16, "second": 10}
